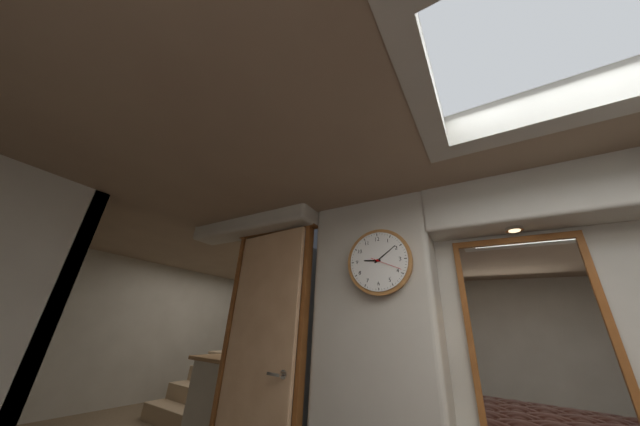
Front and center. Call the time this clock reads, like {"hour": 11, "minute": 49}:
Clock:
{"hour": 9, "minute": 9}
